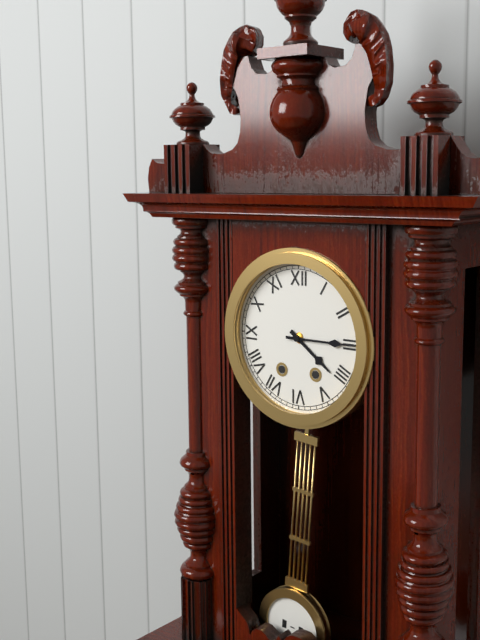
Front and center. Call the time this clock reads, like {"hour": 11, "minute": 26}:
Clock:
{"hour": 4, "minute": 15}
